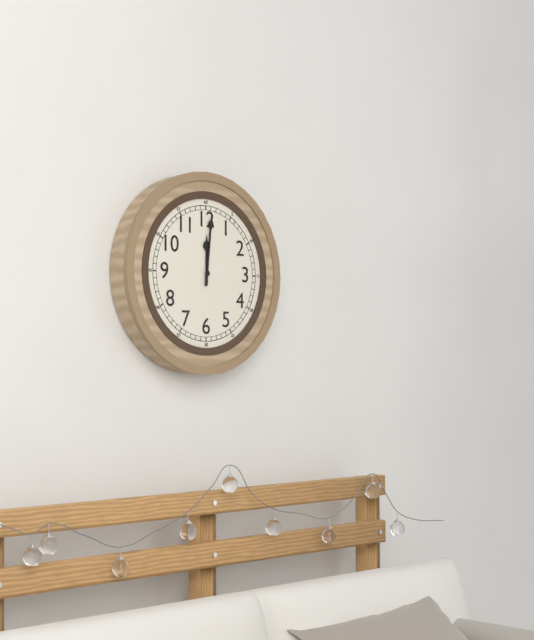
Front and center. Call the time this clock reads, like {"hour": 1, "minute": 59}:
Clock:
{"hour": 12, "minute": 1}
